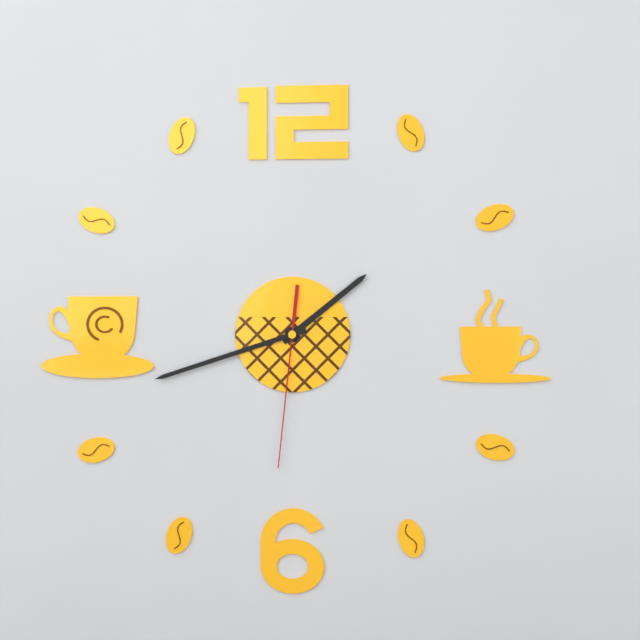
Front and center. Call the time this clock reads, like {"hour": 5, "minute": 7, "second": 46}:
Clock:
{"hour": 1, "minute": 42, "second": 31}
